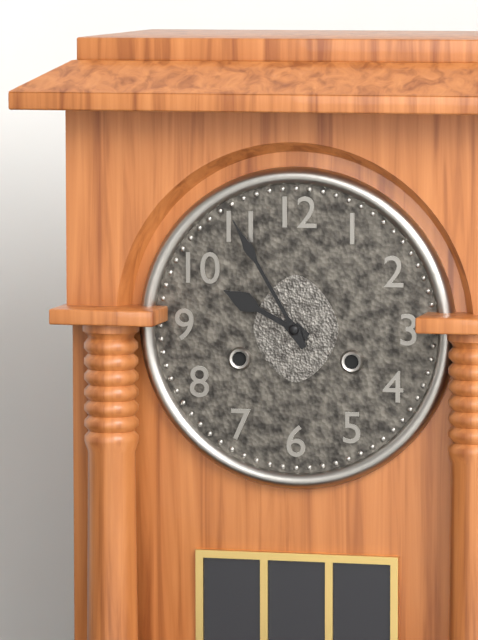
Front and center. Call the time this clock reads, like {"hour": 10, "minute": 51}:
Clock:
{"hour": 9, "minute": 55}
